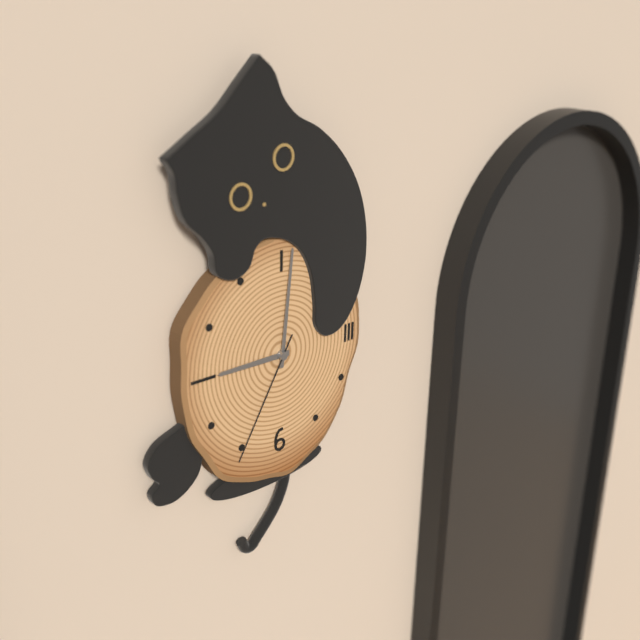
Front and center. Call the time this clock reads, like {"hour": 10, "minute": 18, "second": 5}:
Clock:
{"hour": 9, "minute": 1, "second": 35}
